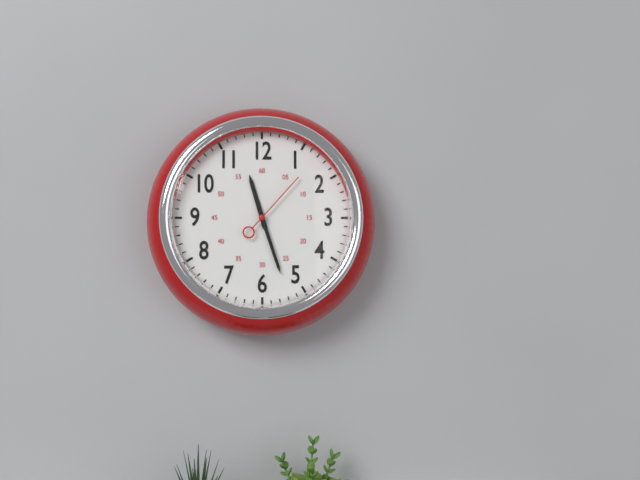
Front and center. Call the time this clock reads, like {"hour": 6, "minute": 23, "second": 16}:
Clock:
{"hour": 11, "minute": 27, "second": 7}
